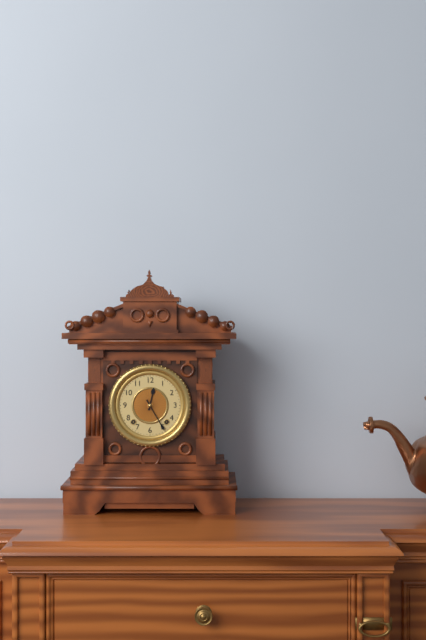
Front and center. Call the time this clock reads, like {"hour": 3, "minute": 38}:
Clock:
{"hour": 12, "minute": 25}
